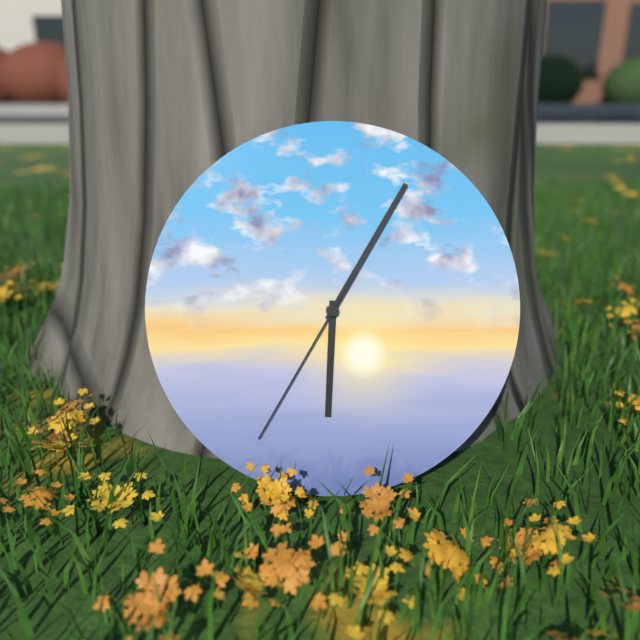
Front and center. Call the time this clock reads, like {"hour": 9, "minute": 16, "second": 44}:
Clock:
{"hour": 6, "minute": 5, "second": 35}
